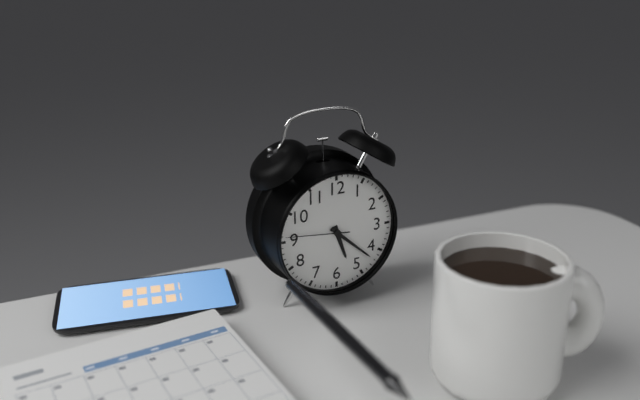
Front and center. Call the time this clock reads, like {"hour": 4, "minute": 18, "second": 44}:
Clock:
{"hour": 5, "minute": 22, "second": 46}
